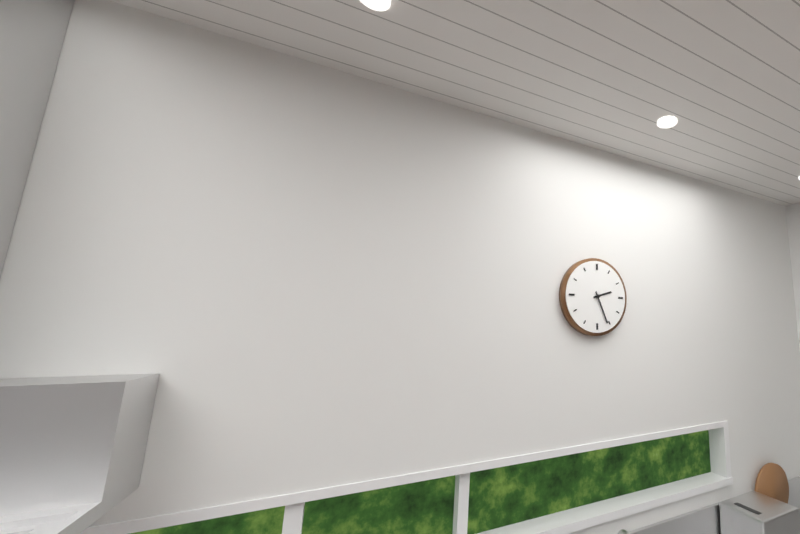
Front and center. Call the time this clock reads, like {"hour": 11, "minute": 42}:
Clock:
{"hour": 2, "minute": 26}
